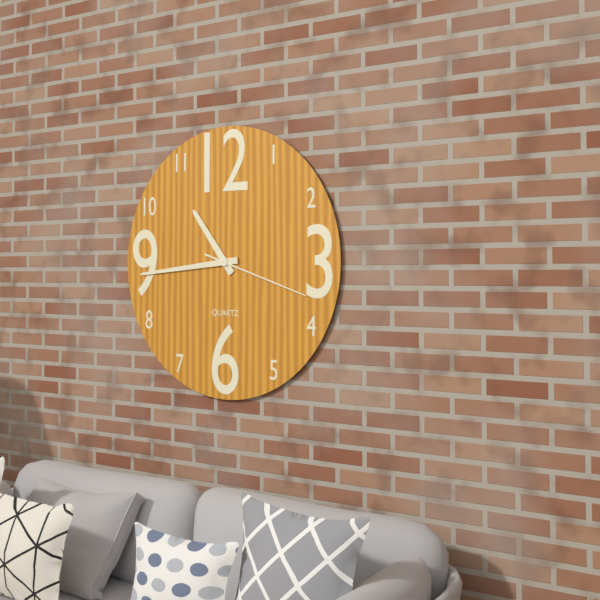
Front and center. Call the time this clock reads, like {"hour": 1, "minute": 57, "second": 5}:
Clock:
{"hour": 10, "minute": 44, "second": 18}
